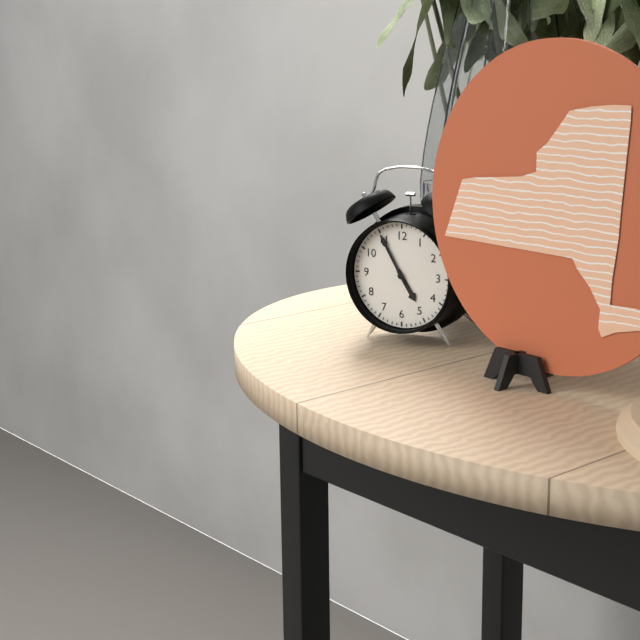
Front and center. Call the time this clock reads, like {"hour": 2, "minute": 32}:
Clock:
{"hour": 4, "minute": 55}
